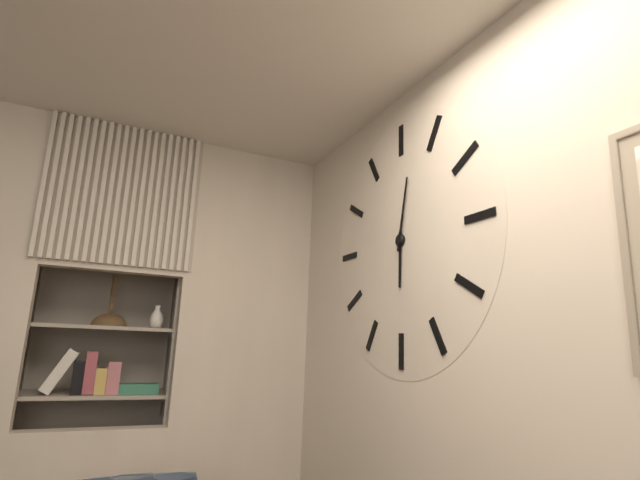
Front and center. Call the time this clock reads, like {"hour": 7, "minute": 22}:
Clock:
{"hour": 6, "minute": 2}
